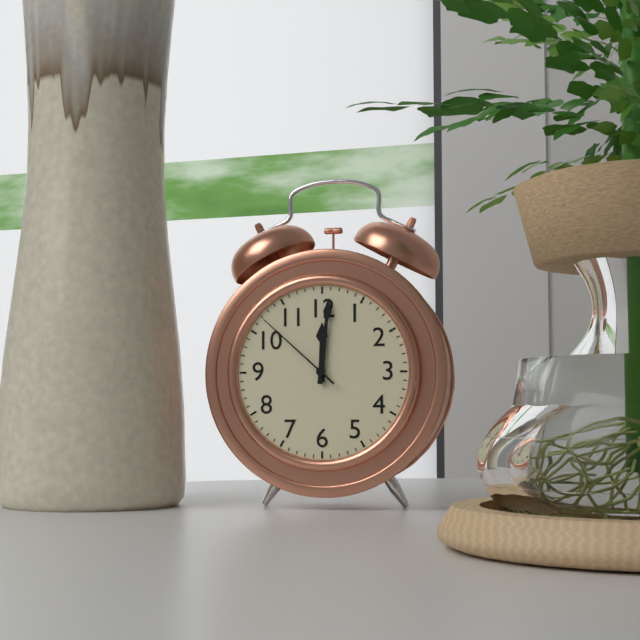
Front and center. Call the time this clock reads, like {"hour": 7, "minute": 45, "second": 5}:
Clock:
{"hour": 12, "minute": 1, "second": 52}
